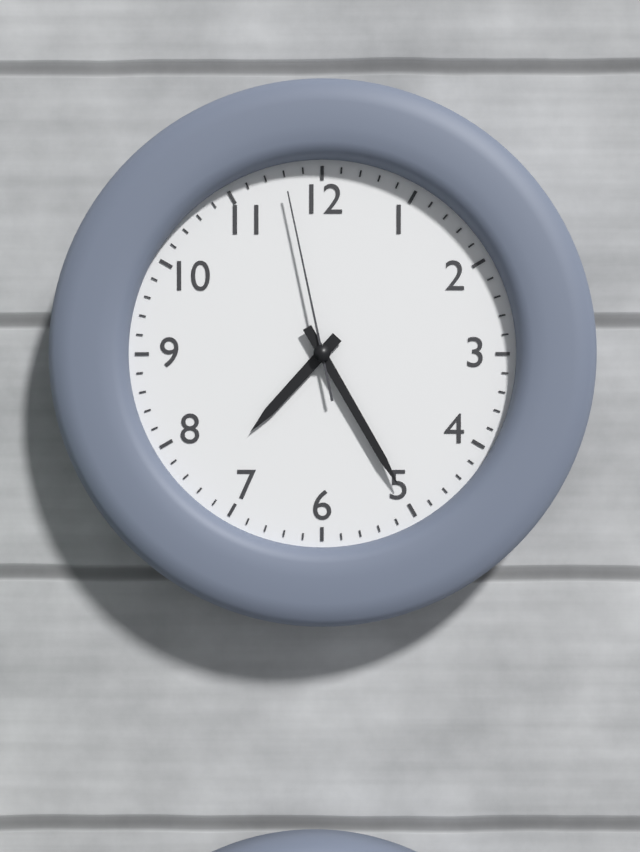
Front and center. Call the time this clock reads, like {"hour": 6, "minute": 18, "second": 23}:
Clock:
{"hour": 7, "minute": 25, "second": 58}
